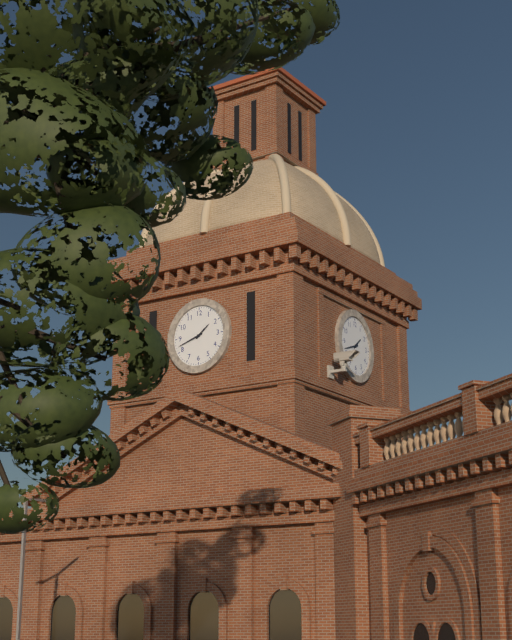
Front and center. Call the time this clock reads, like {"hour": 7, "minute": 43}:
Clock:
{"hour": 1, "minute": 42}
